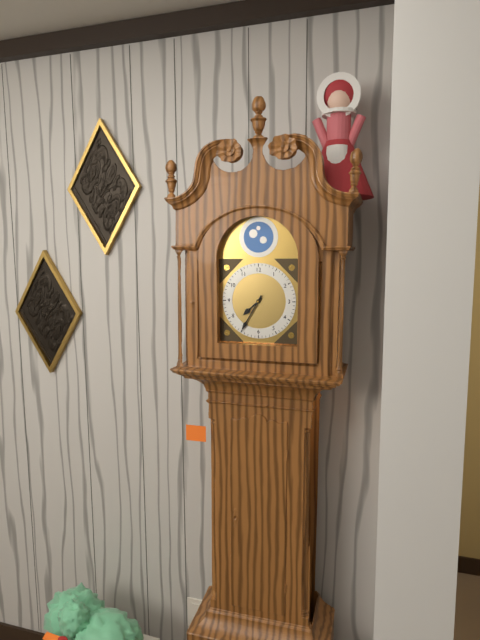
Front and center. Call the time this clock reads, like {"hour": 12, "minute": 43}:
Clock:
{"hour": 7, "minute": 35}
